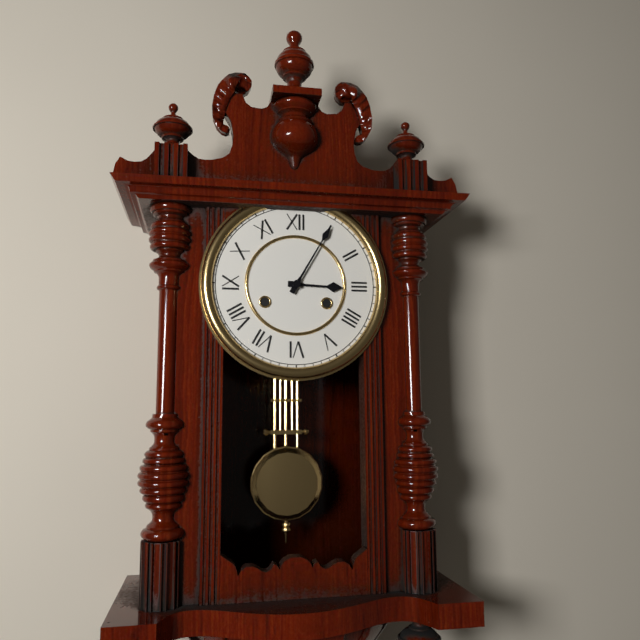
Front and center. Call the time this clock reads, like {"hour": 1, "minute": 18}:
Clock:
{"hour": 3, "minute": 5}
